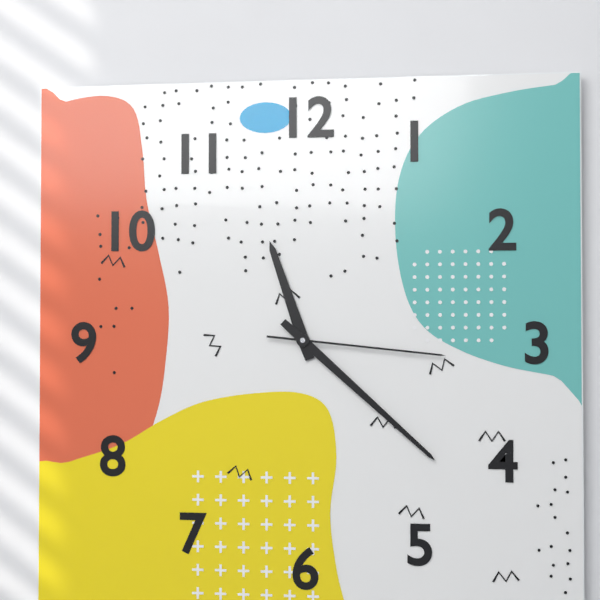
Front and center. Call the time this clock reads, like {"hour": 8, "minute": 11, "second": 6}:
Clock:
{"hour": 11, "minute": 22, "second": 16}
